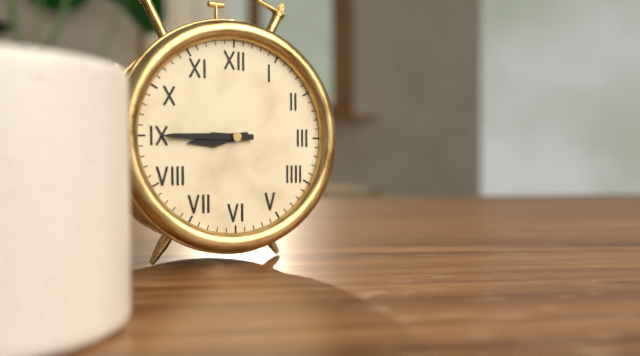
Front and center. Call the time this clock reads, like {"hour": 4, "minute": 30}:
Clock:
{"hour": 8, "minute": 45}
